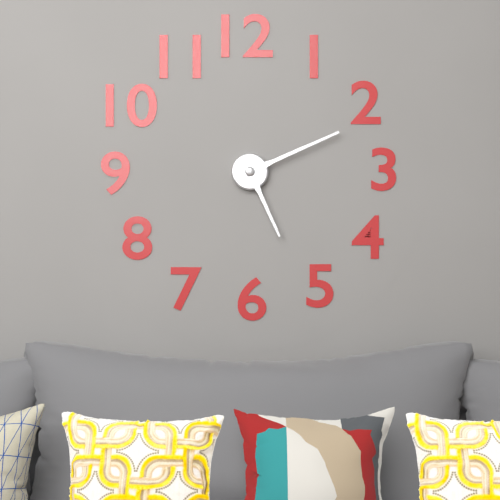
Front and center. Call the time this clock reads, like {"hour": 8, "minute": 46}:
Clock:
{"hour": 5, "minute": 11}
